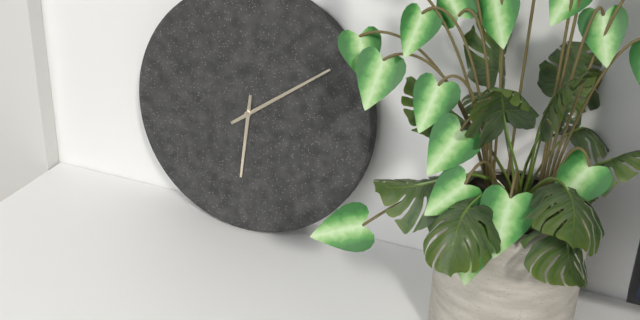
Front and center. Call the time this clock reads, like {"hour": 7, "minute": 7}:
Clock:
{"hour": 6, "minute": 9}
